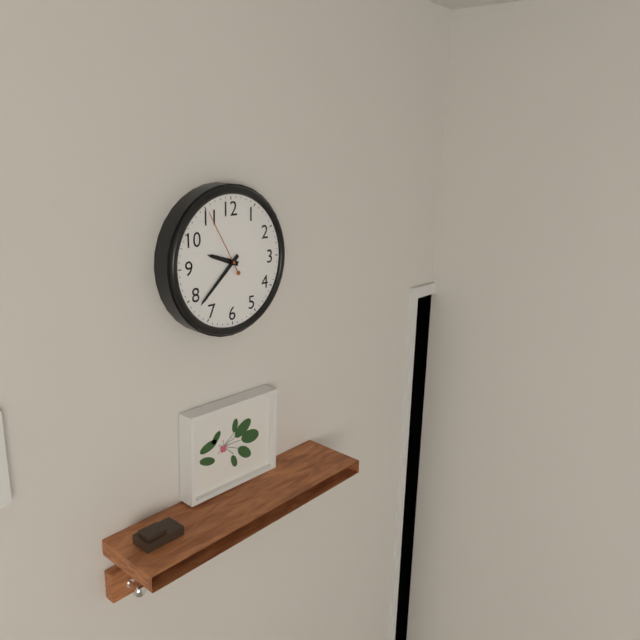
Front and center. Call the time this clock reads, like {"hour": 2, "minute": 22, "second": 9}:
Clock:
{"hour": 9, "minute": 38, "second": 55}
